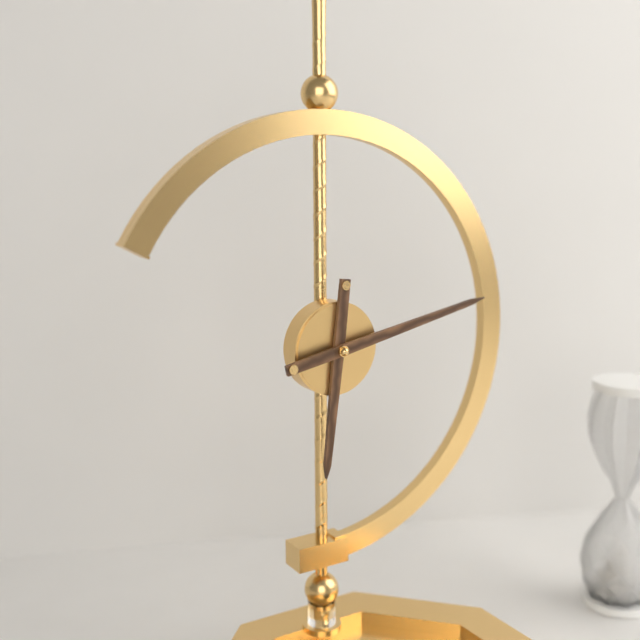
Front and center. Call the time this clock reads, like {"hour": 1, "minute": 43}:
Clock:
{"hour": 6, "minute": 13}
